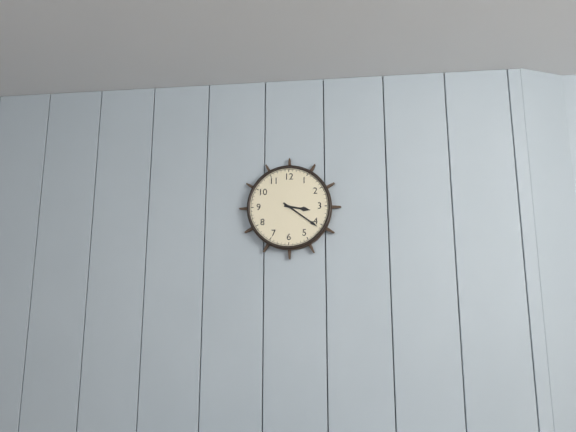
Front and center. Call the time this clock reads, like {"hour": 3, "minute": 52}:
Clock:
{"hour": 3, "minute": 21}
